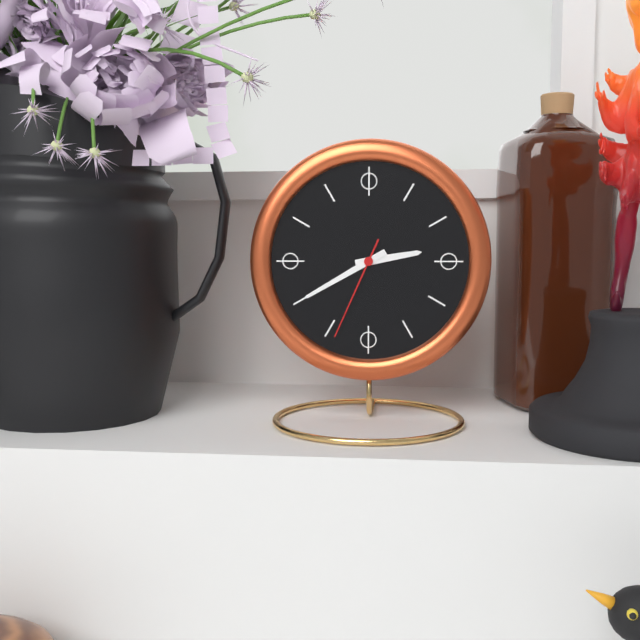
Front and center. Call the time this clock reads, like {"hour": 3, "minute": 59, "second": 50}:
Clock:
{"hour": 2, "minute": 40, "second": 34}
